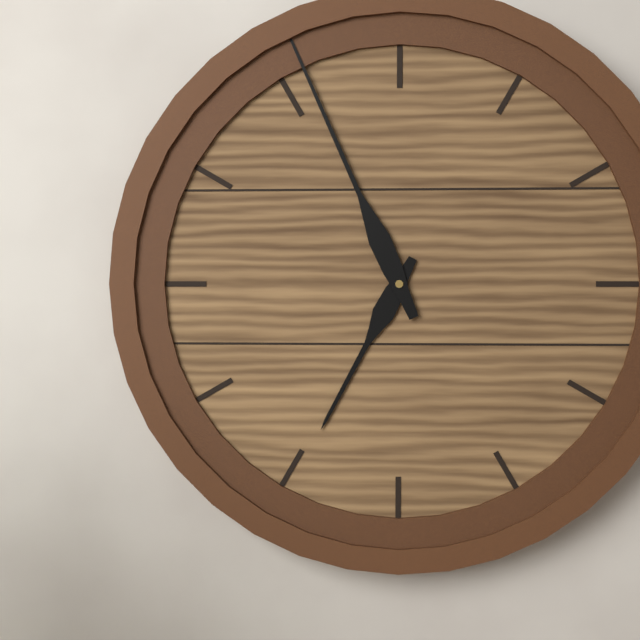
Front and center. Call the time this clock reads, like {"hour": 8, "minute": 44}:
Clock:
{"hour": 6, "minute": 56}
